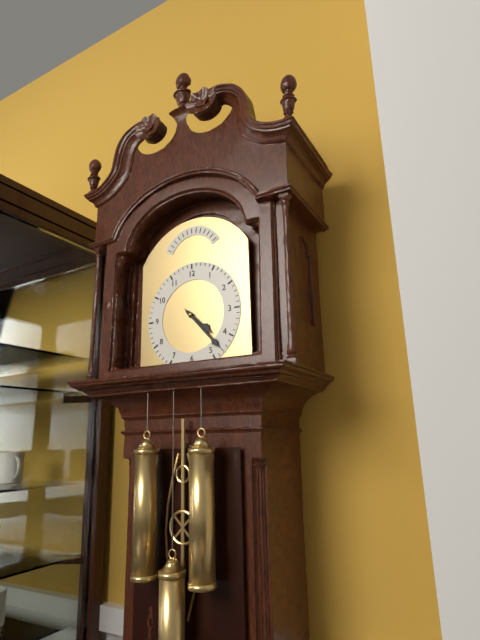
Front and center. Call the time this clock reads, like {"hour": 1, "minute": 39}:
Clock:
{"hour": 4, "minute": 23}
